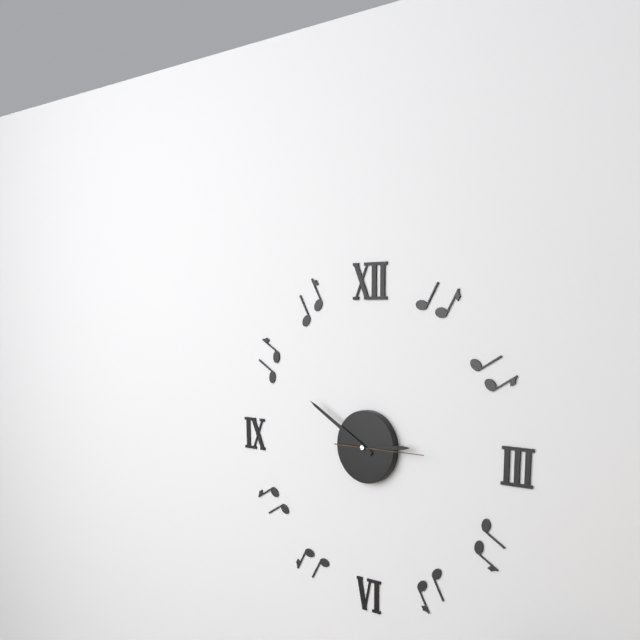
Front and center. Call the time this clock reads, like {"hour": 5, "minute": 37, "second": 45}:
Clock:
{"hour": 2, "minute": 50, "second": 15}
